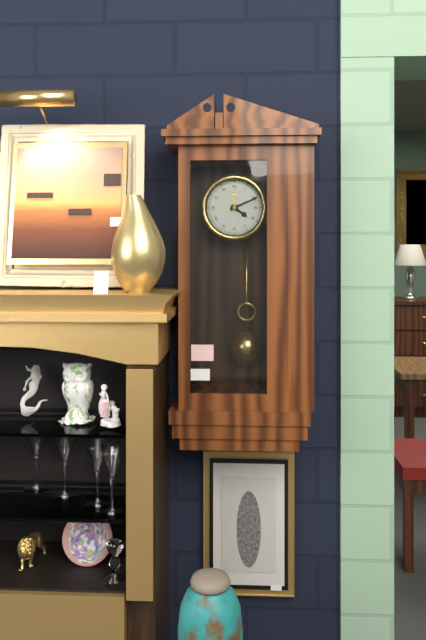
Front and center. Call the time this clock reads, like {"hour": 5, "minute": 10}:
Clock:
{"hour": 4, "minute": 11}
